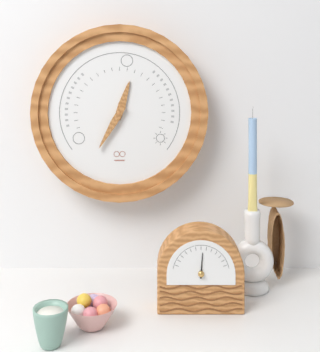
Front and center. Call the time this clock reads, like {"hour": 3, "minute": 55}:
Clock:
{"hour": 12, "minute": 35}
